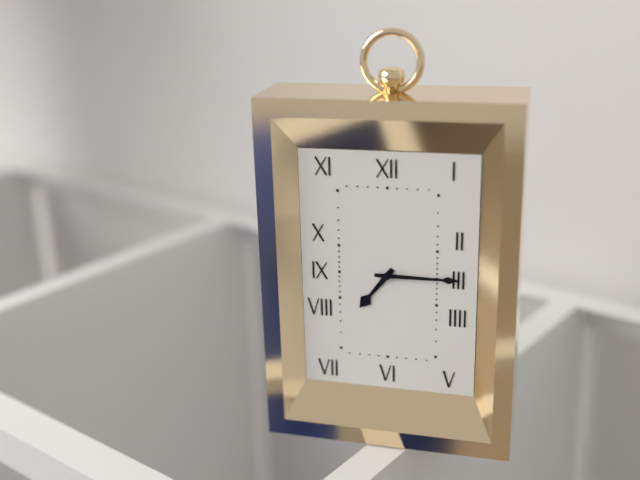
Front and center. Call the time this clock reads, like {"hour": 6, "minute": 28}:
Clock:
{"hour": 7, "minute": 15}
